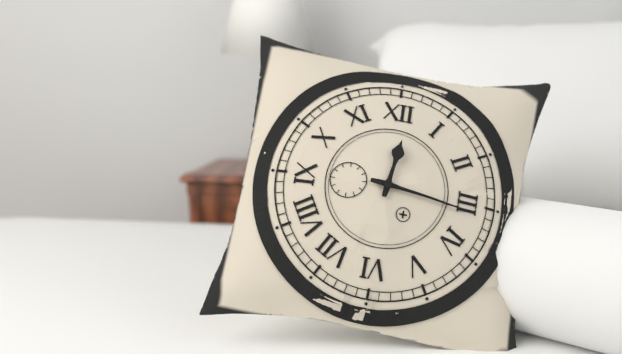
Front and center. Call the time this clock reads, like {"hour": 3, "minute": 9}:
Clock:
{"hour": 12, "minute": 16}
